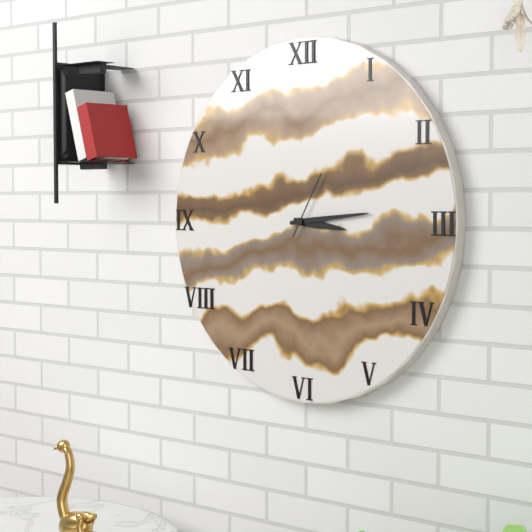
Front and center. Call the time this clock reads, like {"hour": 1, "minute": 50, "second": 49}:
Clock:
{"hour": 3, "minute": 14, "second": 5}
